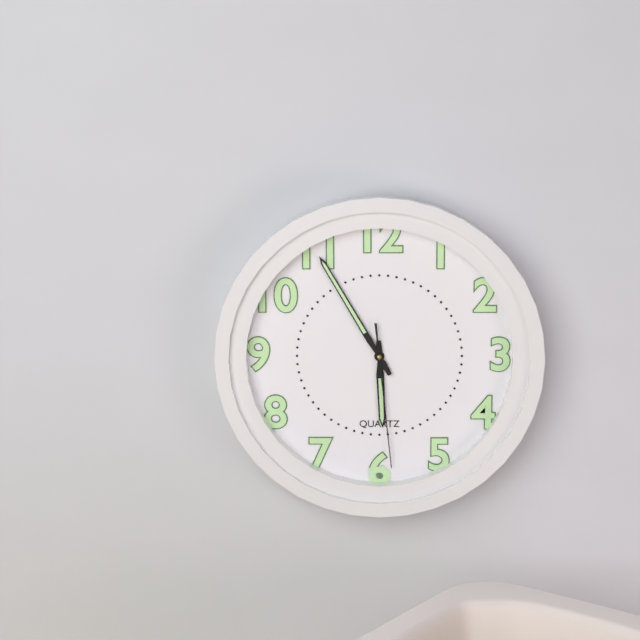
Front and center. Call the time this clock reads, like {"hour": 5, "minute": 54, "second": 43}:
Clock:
{"hour": 5, "minute": 55, "second": 29}
